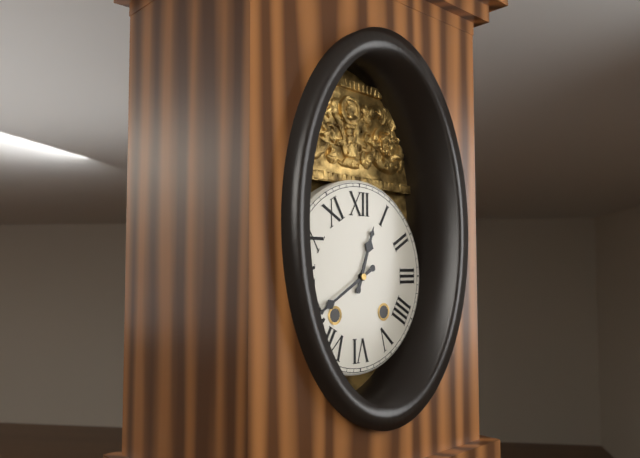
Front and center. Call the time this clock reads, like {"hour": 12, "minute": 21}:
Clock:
{"hour": 12, "minute": 40}
